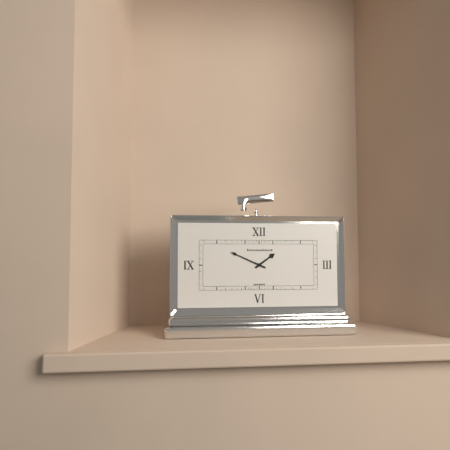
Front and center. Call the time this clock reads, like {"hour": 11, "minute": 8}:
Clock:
{"hour": 1, "minute": 49}
